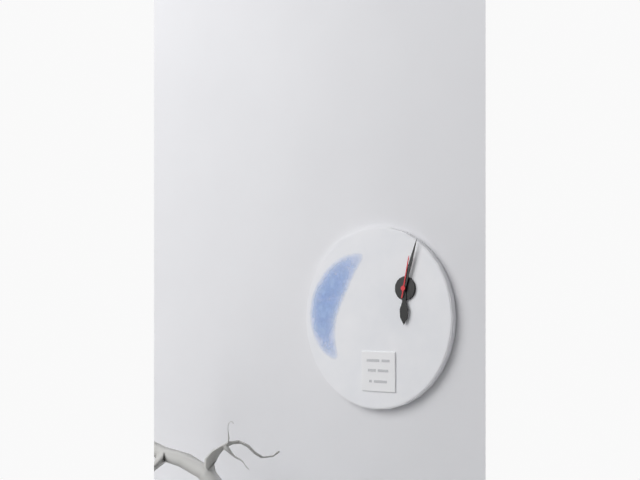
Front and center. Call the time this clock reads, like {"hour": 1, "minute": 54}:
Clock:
{"hour": 6, "minute": 3}
